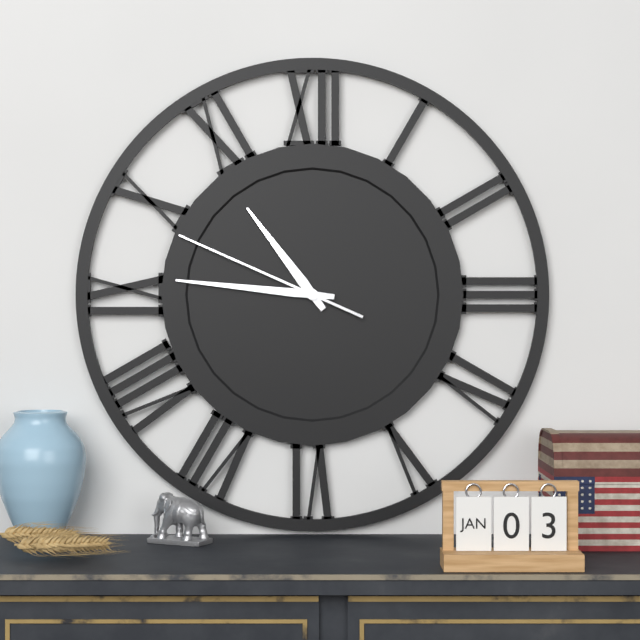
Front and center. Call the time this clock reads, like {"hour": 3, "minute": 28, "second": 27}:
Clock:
{"hour": 10, "minute": 46, "second": 49}
